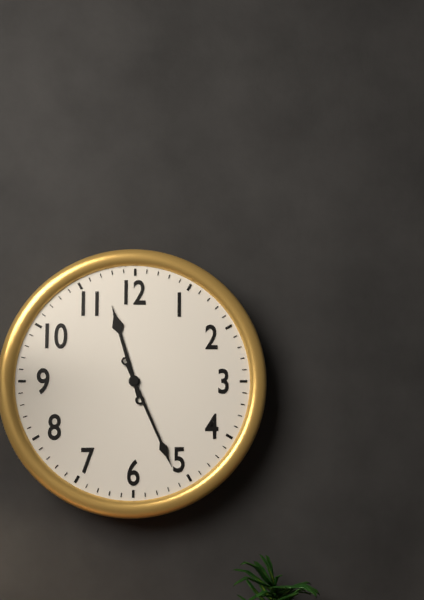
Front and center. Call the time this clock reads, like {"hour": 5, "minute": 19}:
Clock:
{"hour": 11, "minute": 26}
